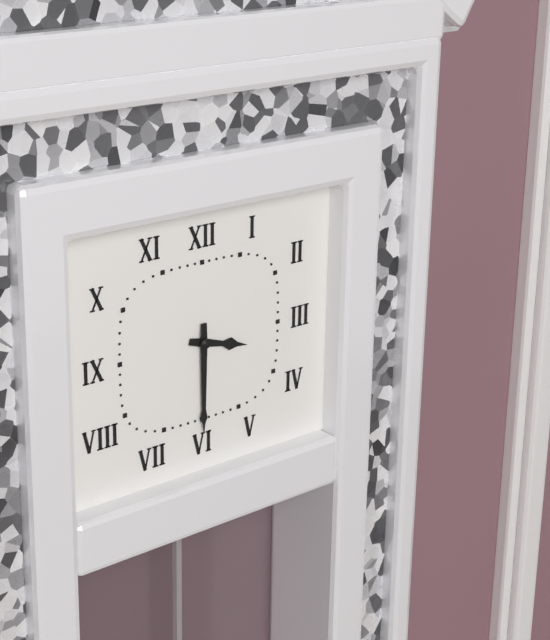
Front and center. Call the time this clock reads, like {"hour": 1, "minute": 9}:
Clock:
{"hour": 3, "minute": 30}
